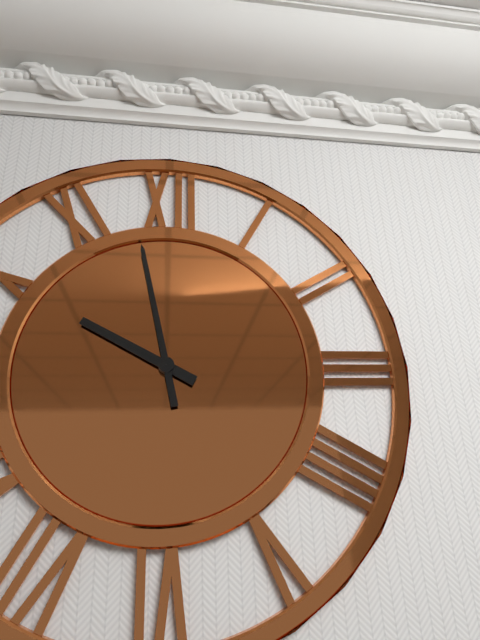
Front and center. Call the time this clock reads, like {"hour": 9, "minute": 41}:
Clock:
{"hour": 9, "minute": 58}
